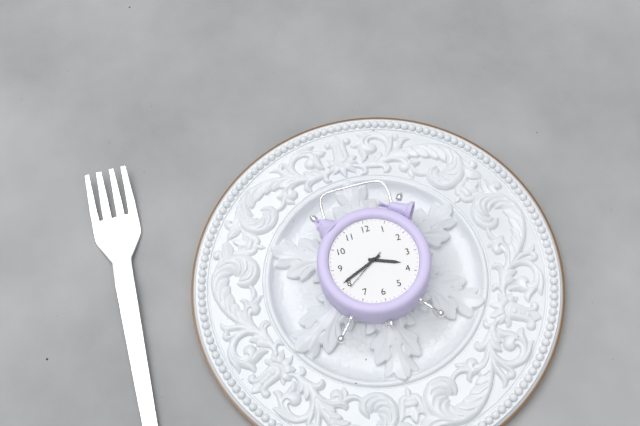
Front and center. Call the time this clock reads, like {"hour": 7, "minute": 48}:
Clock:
{"hour": 3, "minute": 41}
